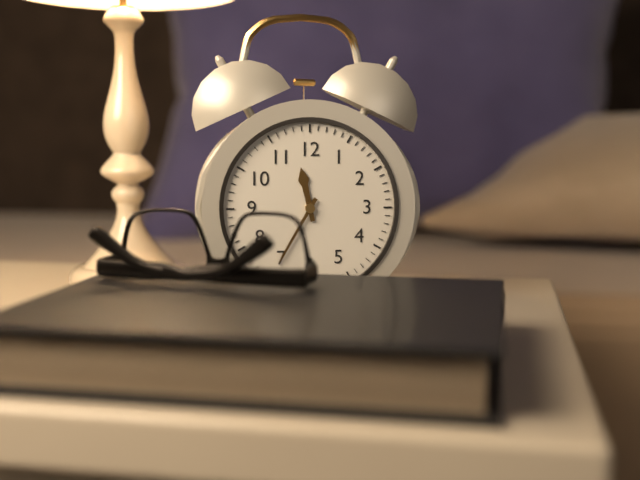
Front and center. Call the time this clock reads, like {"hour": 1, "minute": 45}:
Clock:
{"hour": 11, "minute": 35}
